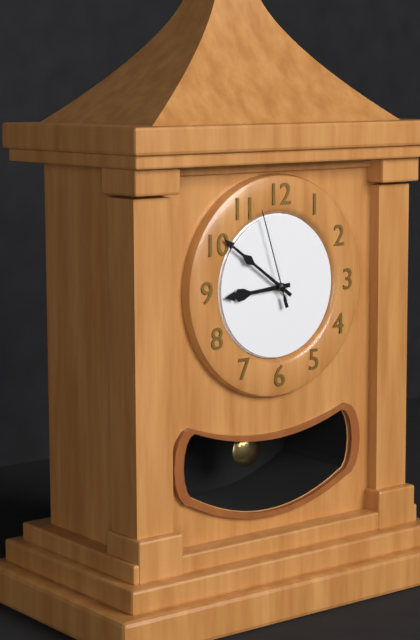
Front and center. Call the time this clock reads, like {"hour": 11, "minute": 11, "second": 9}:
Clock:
{"hour": 8, "minute": 51, "second": 57}
